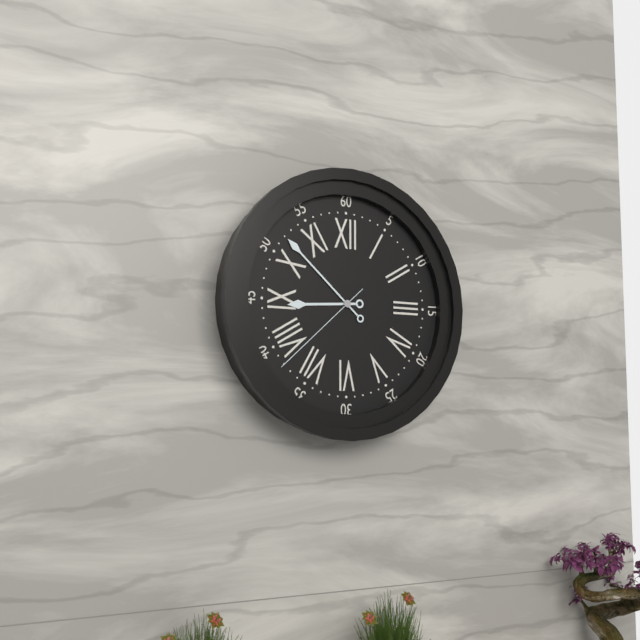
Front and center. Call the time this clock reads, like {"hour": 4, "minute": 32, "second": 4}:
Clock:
{"hour": 8, "minute": 52, "second": 38}
